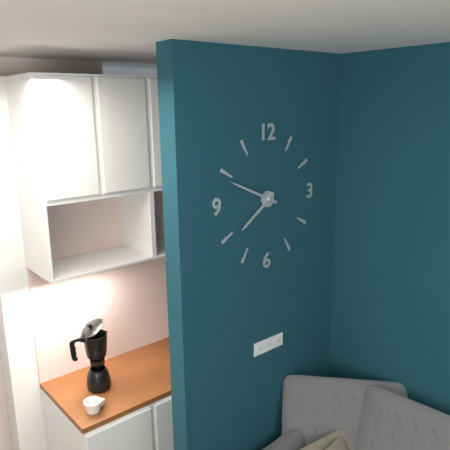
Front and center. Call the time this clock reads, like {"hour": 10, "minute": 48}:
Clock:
{"hour": 7, "minute": 49}
